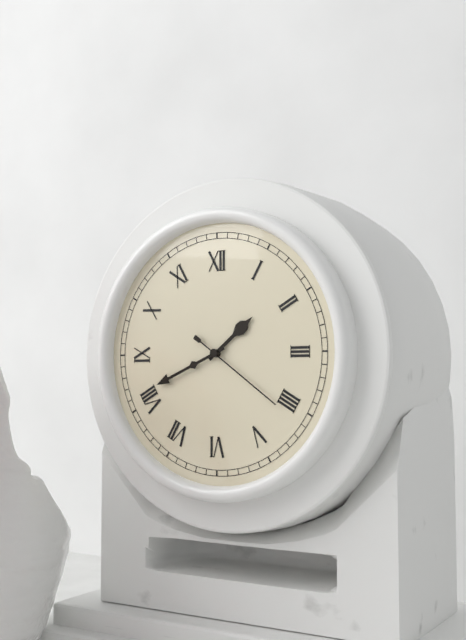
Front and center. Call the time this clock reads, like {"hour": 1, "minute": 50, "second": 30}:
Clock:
{"hour": 1, "minute": 41, "second": 21}
